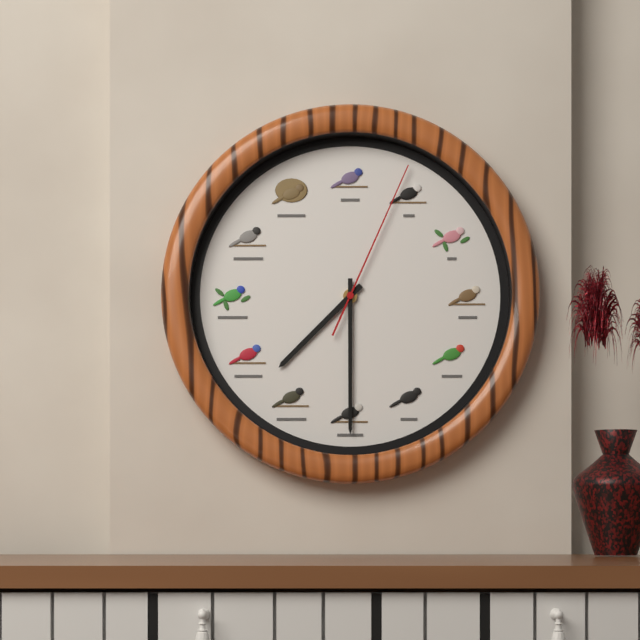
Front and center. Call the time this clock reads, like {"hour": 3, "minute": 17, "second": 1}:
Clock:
{"hour": 7, "minute": 30, "second": 4}
